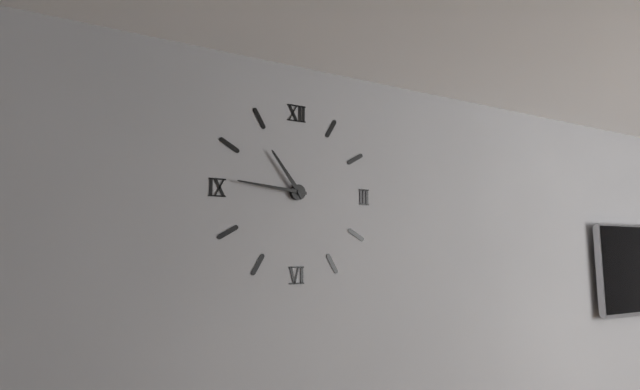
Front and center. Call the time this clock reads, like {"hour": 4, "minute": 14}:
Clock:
{"hour": 10, "minute": 46}
